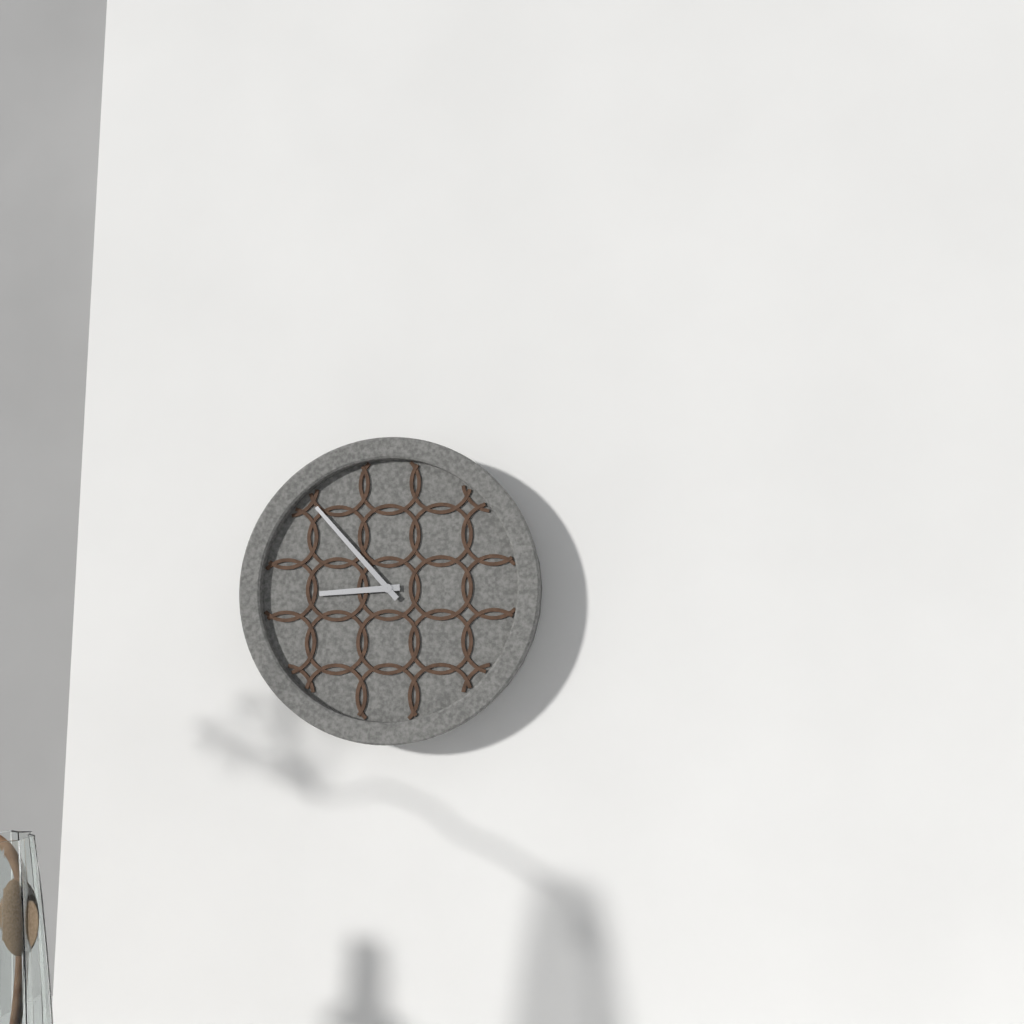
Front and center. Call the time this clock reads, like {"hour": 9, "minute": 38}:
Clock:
{"hour": 8, "minute": 53}
